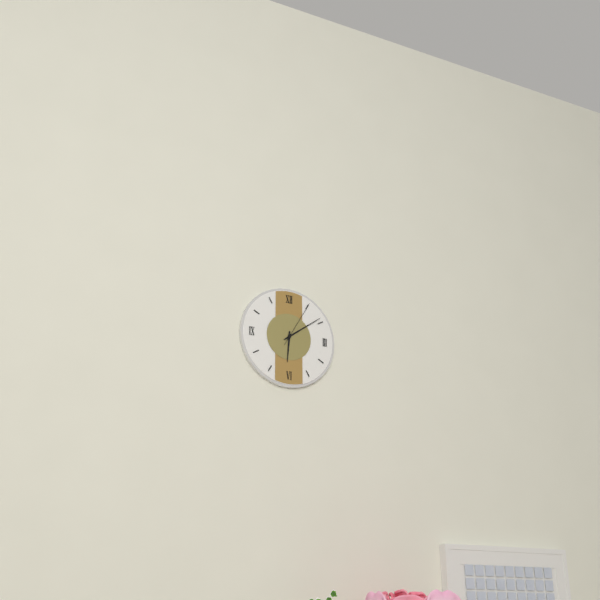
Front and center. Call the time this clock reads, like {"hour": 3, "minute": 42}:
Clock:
{"hour": 6, "minute": 9}
